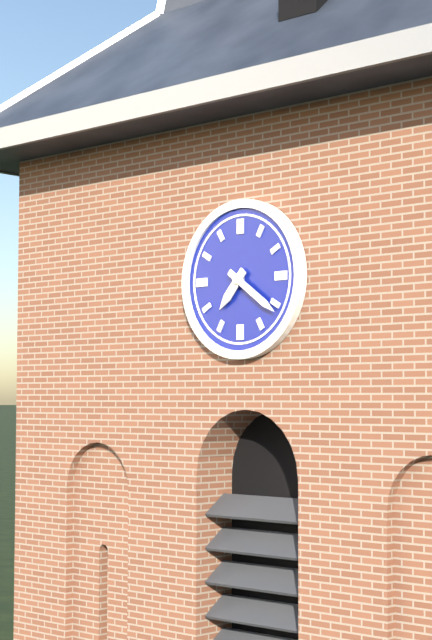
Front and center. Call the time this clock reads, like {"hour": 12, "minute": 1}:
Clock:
{"hour": 7, "minute": 21}
